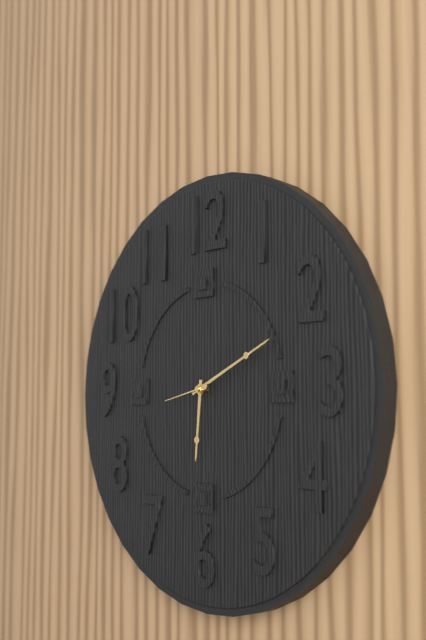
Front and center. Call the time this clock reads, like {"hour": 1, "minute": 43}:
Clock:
{"hour": 6, "minute": 11}
